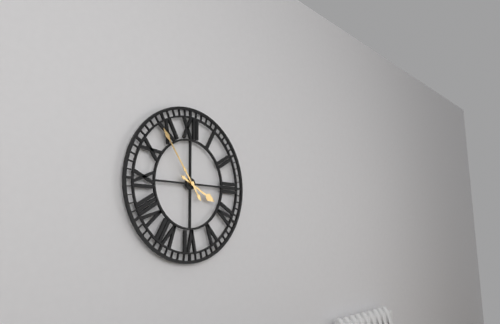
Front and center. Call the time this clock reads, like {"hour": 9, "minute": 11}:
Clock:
{"hour": 3, "minute": 54}
